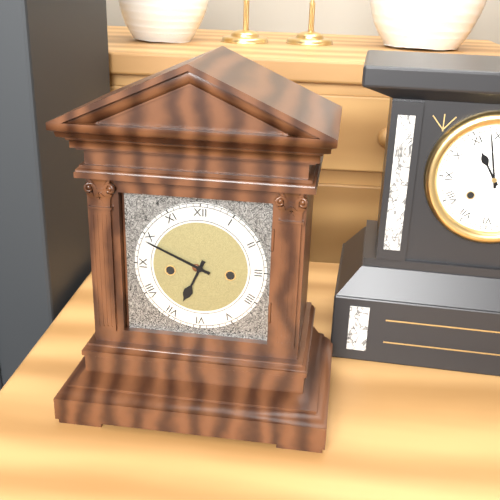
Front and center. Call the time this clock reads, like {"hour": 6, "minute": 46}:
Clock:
{"hour": 6, "minute": 49}
